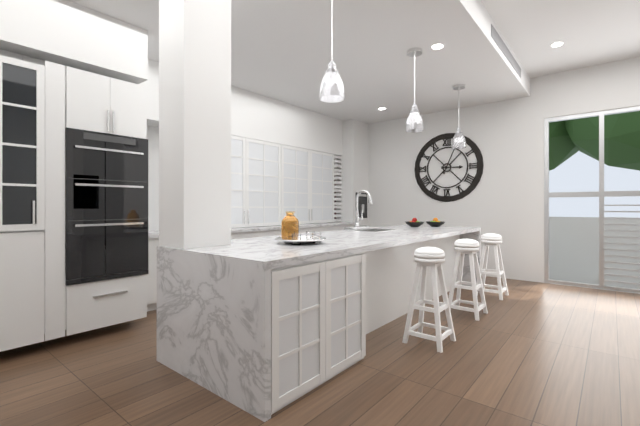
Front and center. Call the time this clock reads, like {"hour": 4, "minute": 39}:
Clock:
{"hour": 3, "minute": 4}
